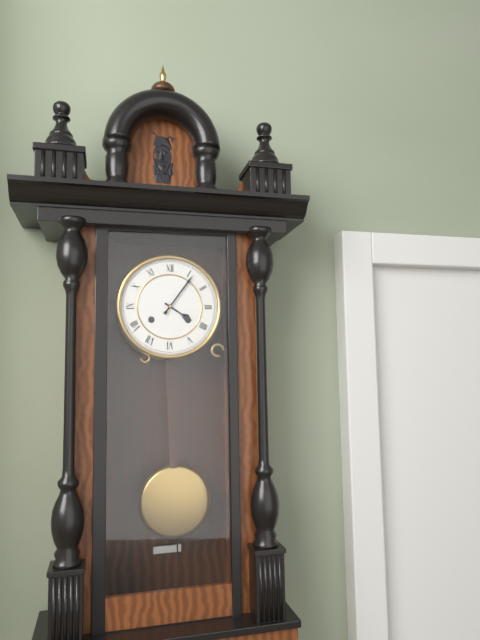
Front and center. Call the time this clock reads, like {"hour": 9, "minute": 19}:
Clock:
{"hour": 4, "minute": 6}
